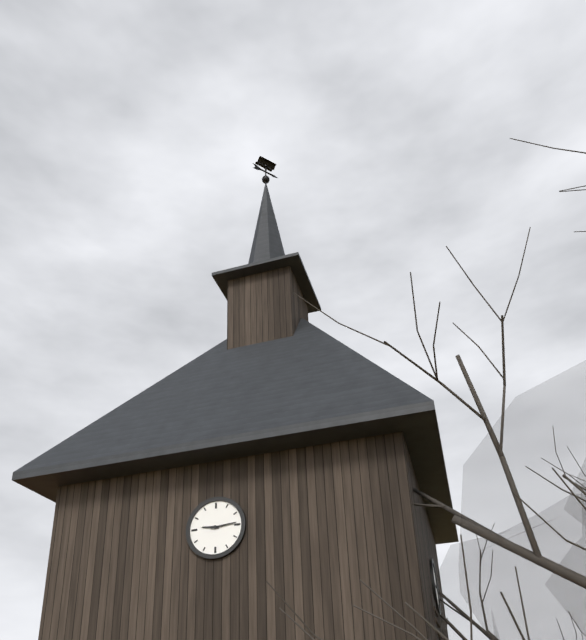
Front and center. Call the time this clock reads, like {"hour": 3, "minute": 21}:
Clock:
{"hour": 9, "minute": 14}
